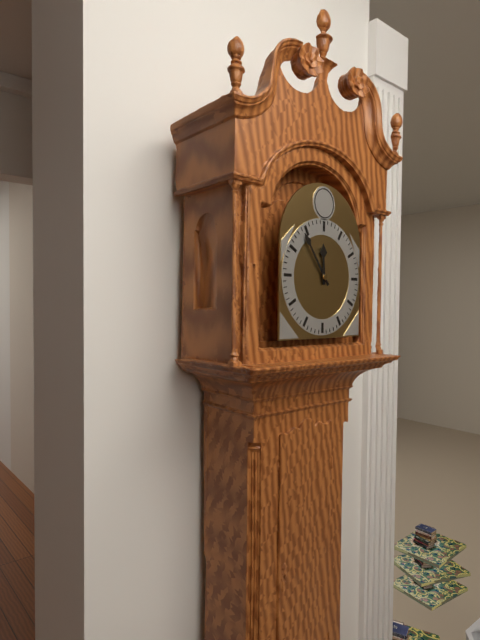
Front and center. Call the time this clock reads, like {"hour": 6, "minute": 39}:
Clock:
{"hour": 11, "minute": 54}
